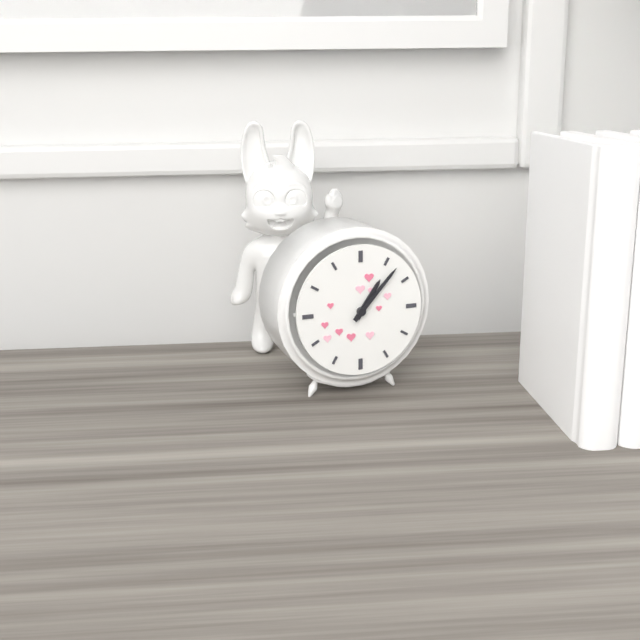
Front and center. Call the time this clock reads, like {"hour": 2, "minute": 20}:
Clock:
{"hour": 1, "minute": 7}
